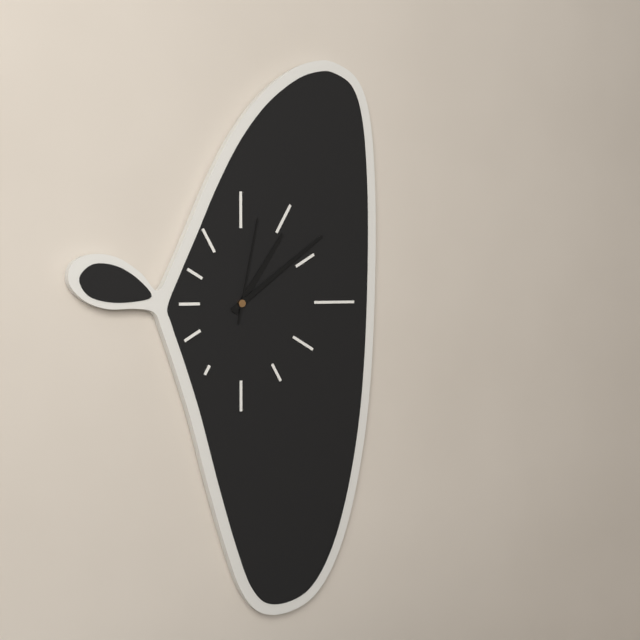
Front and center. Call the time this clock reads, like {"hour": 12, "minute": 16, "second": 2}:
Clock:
{"hour": 1, "minute": 9, "second": 2}
